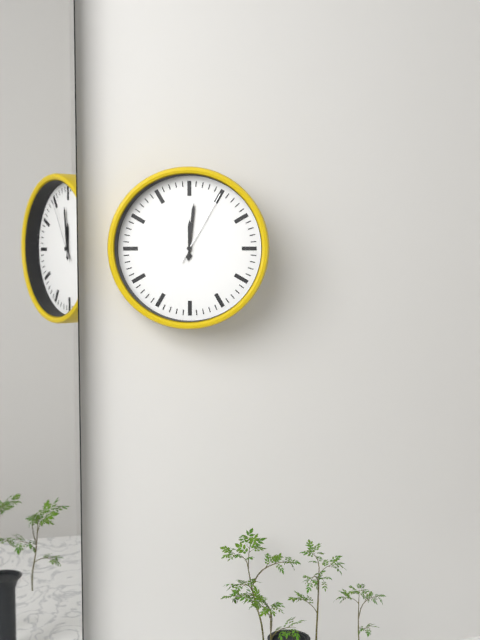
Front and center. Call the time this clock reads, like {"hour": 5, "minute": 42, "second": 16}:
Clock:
{"hour": 12, "minute": 1, "second": 5}
